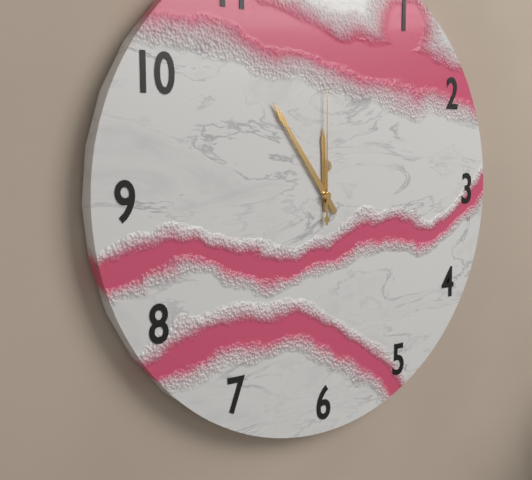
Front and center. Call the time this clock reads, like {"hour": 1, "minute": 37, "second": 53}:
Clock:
{"hour": 11, "minute": 54, "second": 0}
